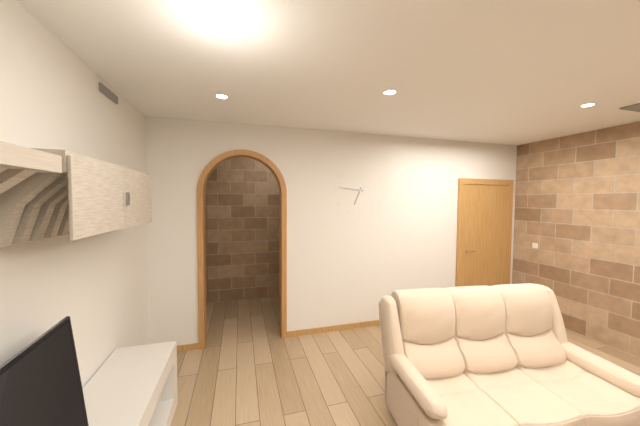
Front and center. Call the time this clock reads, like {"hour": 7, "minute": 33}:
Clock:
{"hour": 6, "minute": 46}
